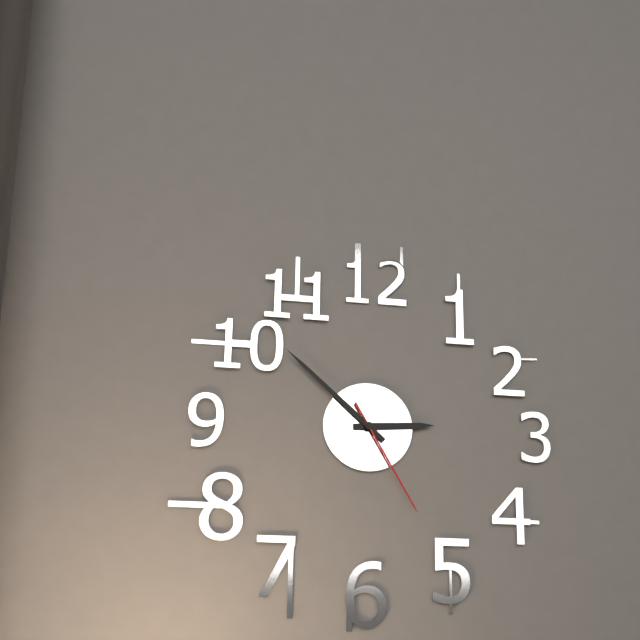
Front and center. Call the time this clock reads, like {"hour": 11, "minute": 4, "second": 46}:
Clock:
{"hour": 2, "minute": 52, "second": 25}
